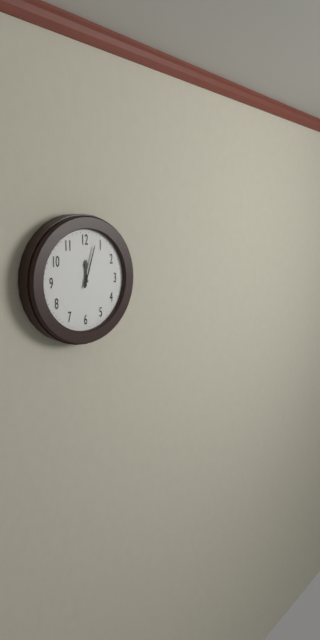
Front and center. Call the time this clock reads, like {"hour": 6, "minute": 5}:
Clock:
{"hour": 12, "minute": 3}
